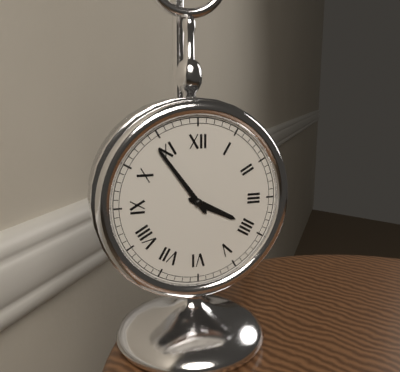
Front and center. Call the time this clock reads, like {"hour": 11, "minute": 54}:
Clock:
{"hour": 3, "minute": 54}
